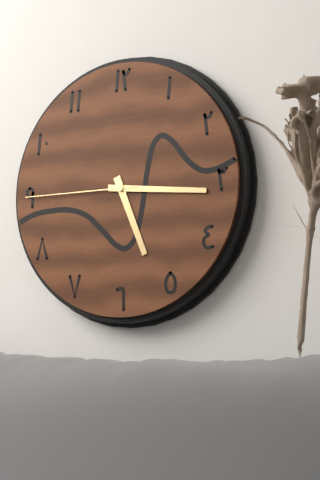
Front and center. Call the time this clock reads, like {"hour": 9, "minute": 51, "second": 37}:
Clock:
{"hour": 5, "minute": 16, "second": 45}
